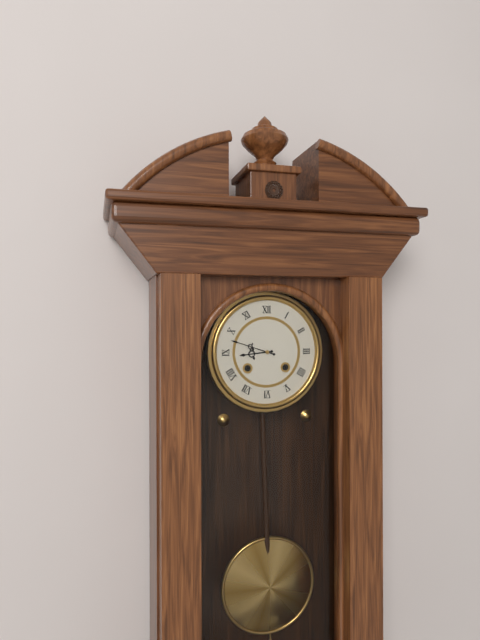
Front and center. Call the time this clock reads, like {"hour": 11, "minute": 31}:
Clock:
{"hour": 8, "minute": 48}
